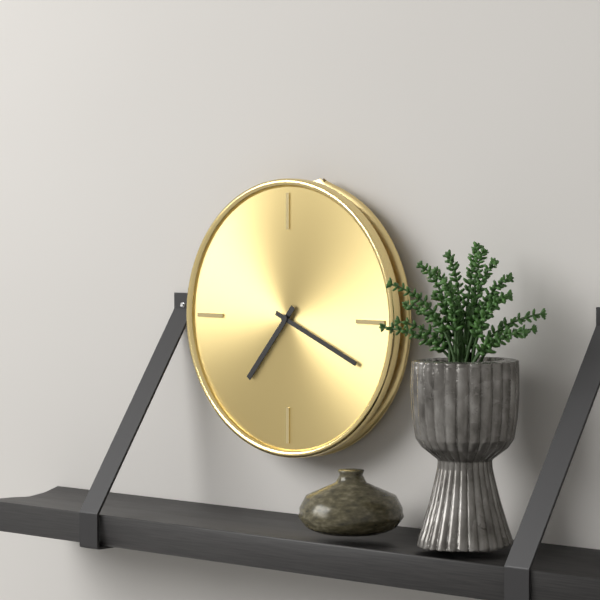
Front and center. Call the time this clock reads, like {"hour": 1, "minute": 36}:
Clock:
{"hour": 7, "minute": 19}
